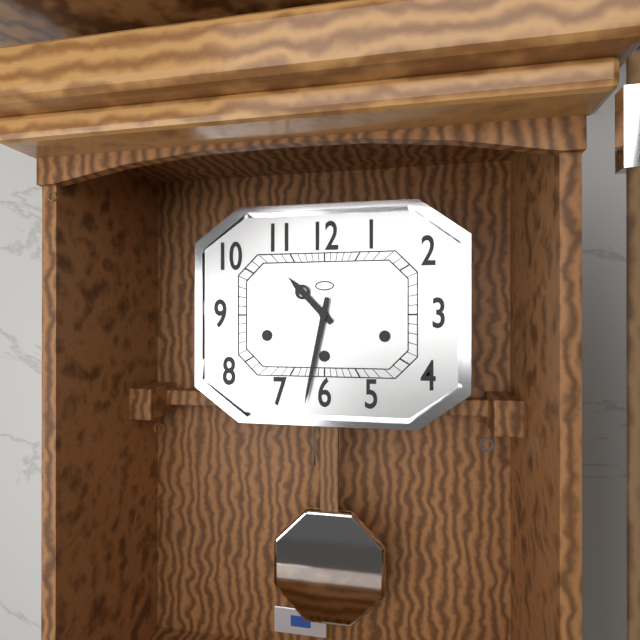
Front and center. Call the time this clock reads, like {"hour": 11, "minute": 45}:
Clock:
{"hour": 10, "minute": 32}
